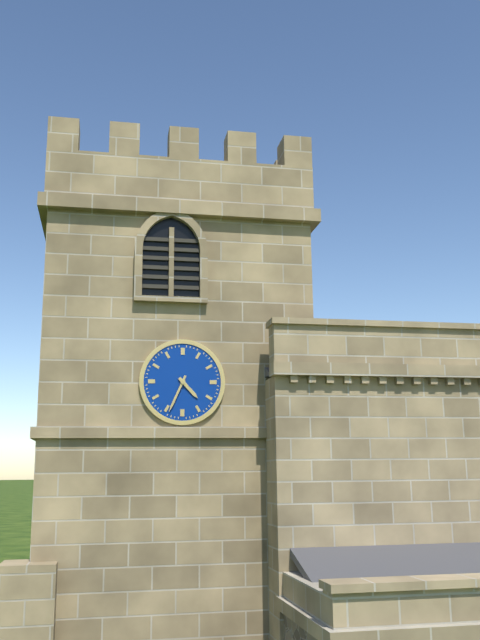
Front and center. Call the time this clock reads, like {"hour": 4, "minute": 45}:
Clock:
{"hour": 4, "minute": 34}
